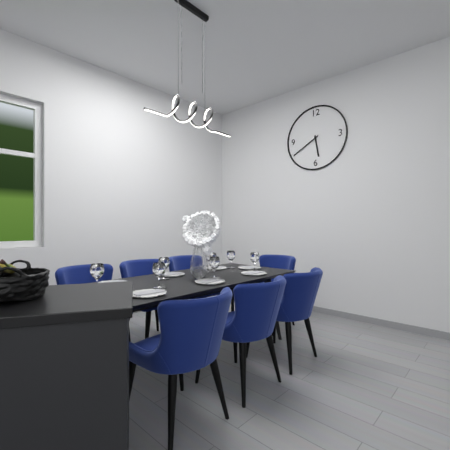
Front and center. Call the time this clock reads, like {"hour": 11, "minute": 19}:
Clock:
{"hour": 5, "minute": 40}
